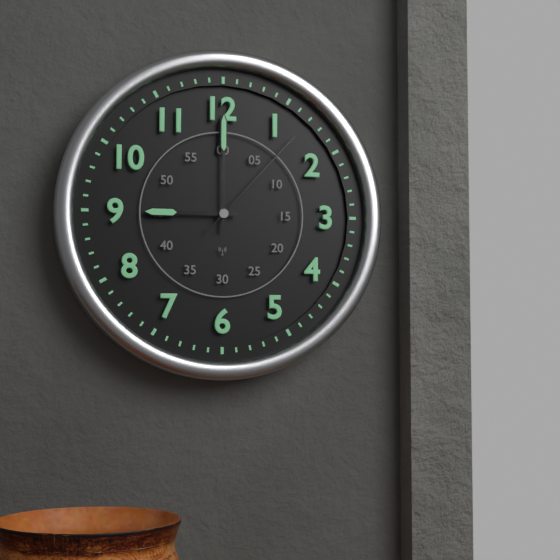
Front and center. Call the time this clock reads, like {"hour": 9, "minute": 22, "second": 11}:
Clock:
{"hour": 9, "minute": 0, "second": 7}
